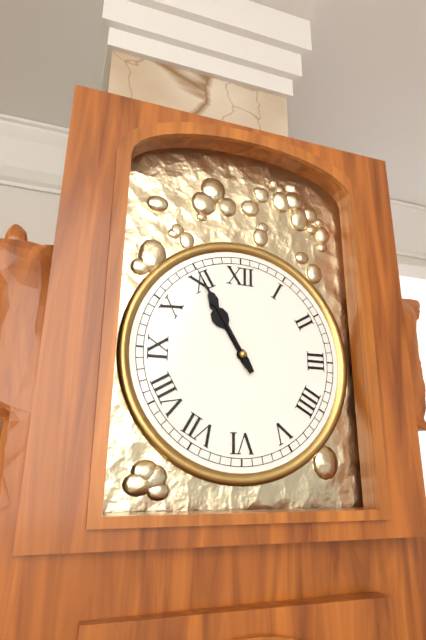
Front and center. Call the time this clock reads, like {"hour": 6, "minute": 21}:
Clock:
{"hour": 10, "minute": 55}
